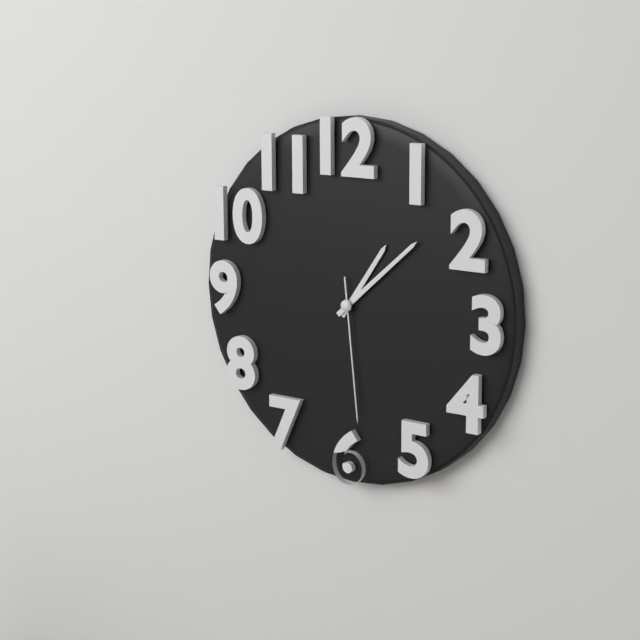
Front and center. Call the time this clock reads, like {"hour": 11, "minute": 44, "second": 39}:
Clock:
{"hour": 1, "minute": 8, "second": 29}
